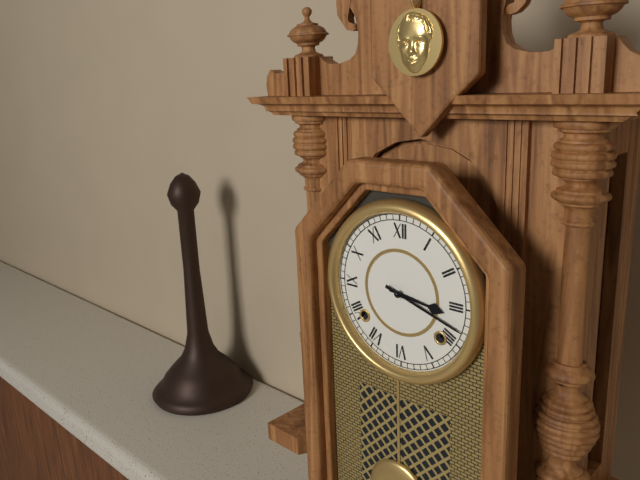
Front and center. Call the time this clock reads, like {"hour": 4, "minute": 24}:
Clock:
{"hour": 3, "minute": 18}
